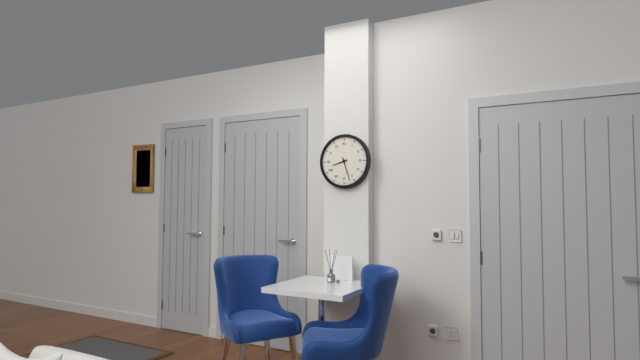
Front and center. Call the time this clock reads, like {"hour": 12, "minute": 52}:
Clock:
{"hour": 8, "minute": 27}
